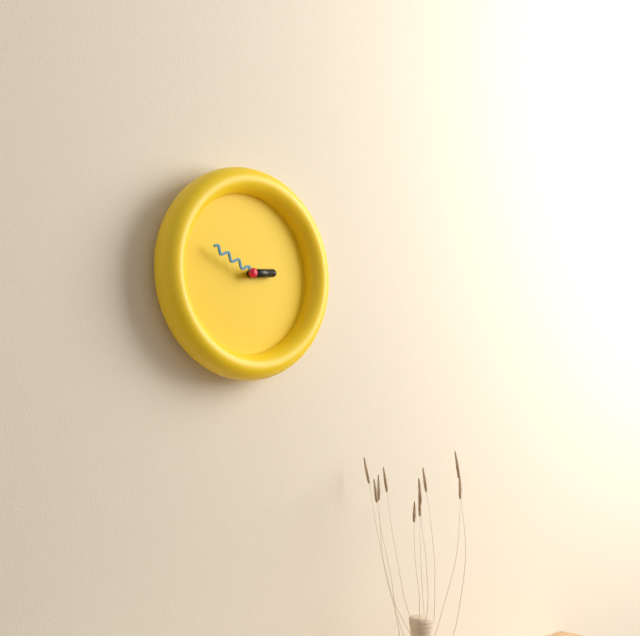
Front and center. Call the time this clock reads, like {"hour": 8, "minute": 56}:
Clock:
{"hour": 2, "minute": 49}
